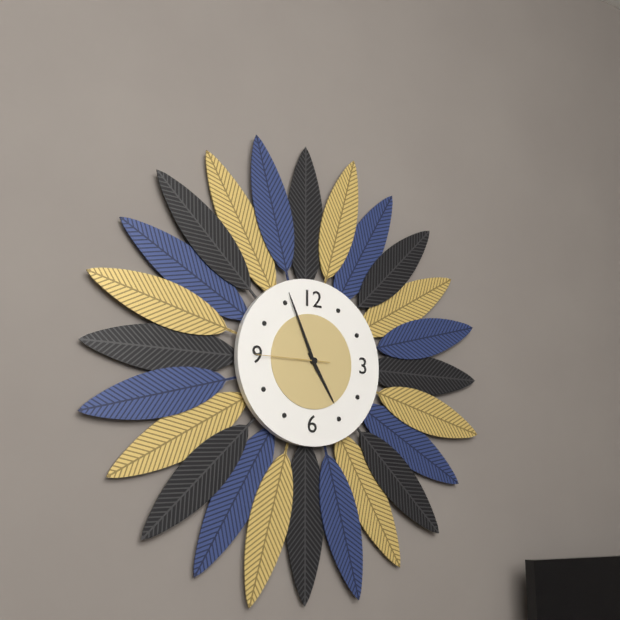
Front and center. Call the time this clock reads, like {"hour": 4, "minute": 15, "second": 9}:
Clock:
{"hour": 4, "minute": 56, "second": 45}
